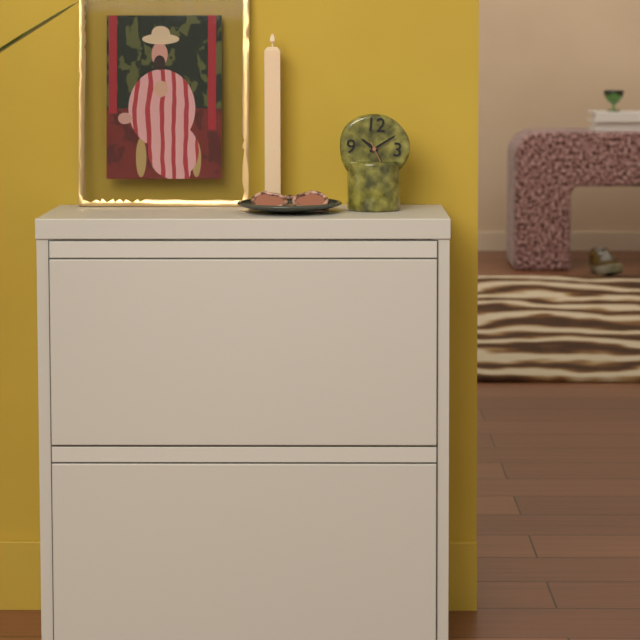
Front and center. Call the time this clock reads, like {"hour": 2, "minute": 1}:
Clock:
{"hour": 10, "minute": 9}
